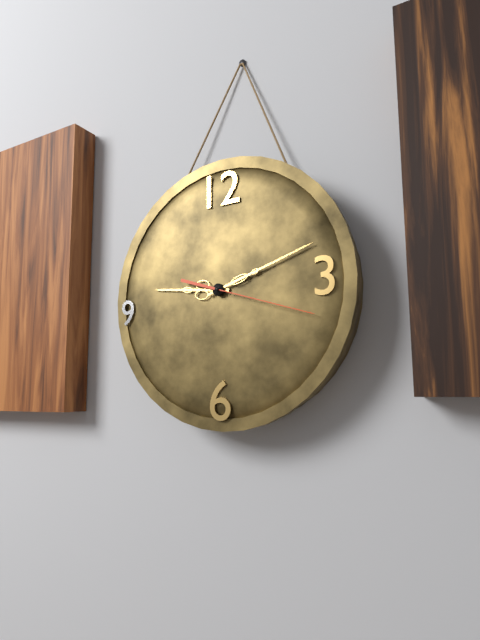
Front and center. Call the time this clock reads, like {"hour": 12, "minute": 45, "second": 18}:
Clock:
{"hour": 9, "minute": 12, "second": 18}
